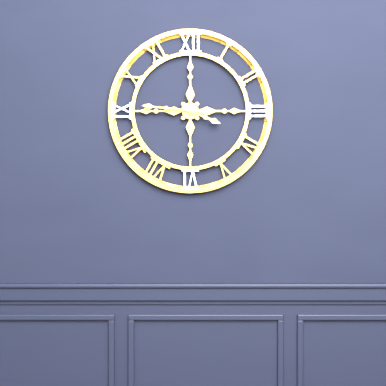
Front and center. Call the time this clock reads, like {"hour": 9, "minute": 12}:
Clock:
{"hour": 3, "minute": 46}
